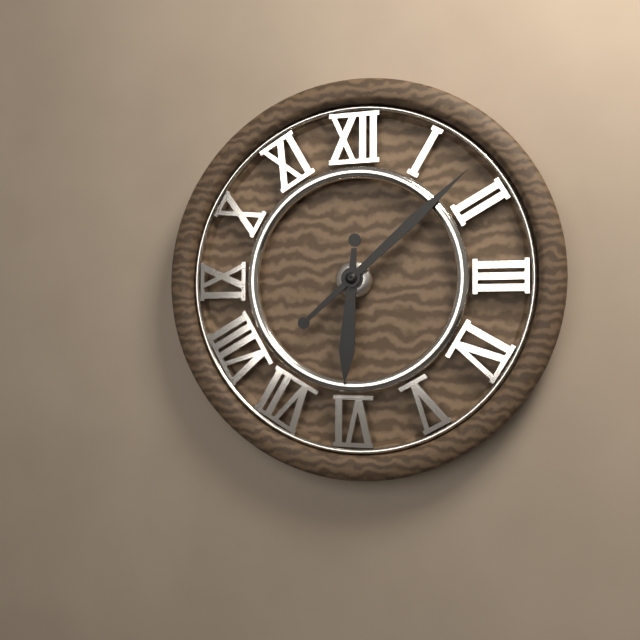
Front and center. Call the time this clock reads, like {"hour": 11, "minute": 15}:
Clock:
{"hour": 6, "minute": 8}
